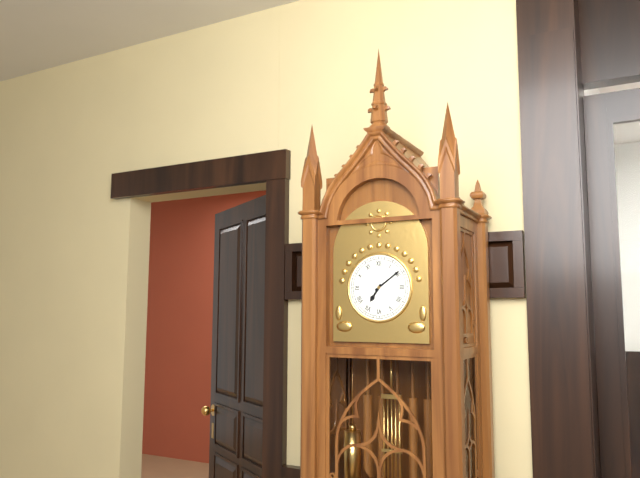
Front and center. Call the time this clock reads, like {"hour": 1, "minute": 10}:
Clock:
{"hour": 7, "minute": 9}
